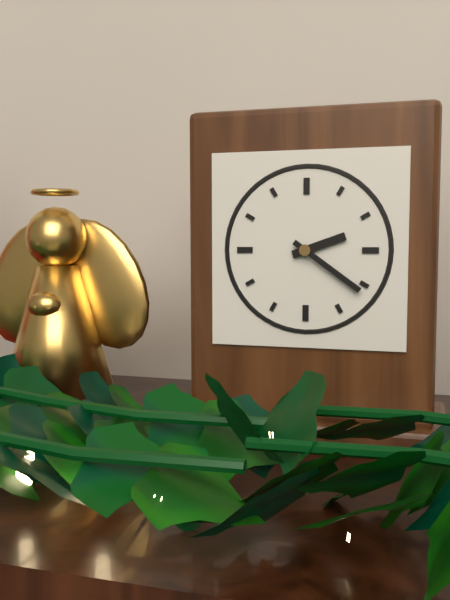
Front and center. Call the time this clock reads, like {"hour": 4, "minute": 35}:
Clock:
{"hour": 2, "minute": 21}
